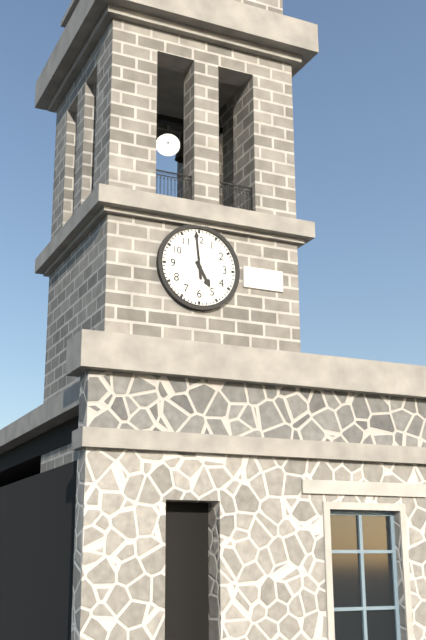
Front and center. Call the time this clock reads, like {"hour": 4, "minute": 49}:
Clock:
{"hour": 4, "minute": 59}
